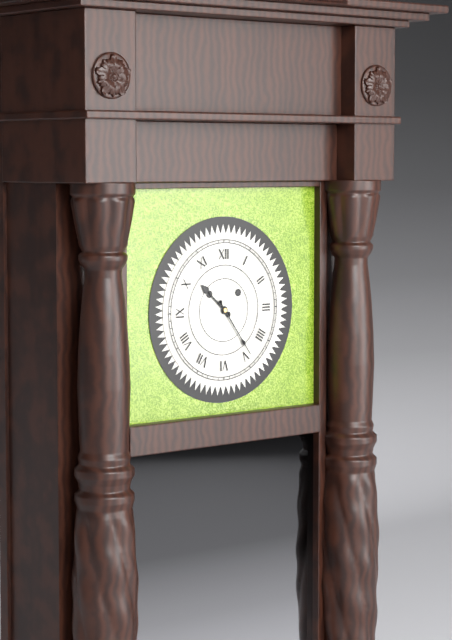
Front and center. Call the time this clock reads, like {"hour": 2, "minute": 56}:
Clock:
{"hour": 10, "minute": 24}
